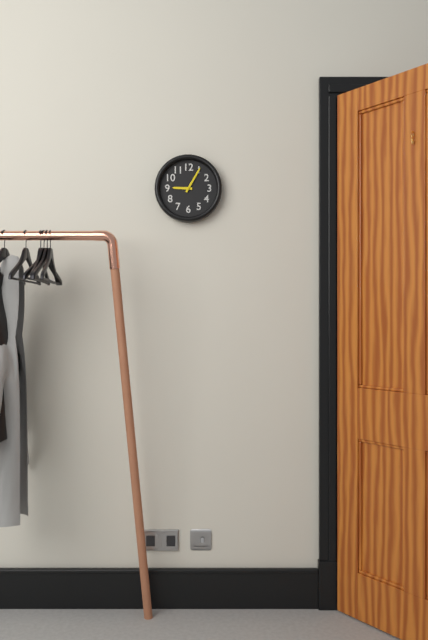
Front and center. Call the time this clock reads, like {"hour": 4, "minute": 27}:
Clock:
{"hour": 9, "minute": 5}
